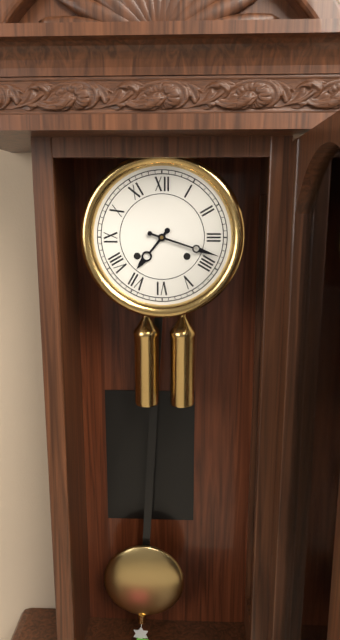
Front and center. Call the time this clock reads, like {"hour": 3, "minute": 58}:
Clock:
{"hour": 7, "minute": 18}
